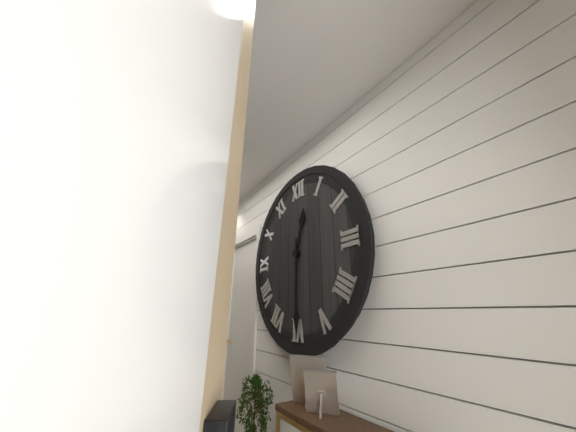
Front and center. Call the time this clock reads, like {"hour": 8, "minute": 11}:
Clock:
{"hour": 12, "minute": 30}
